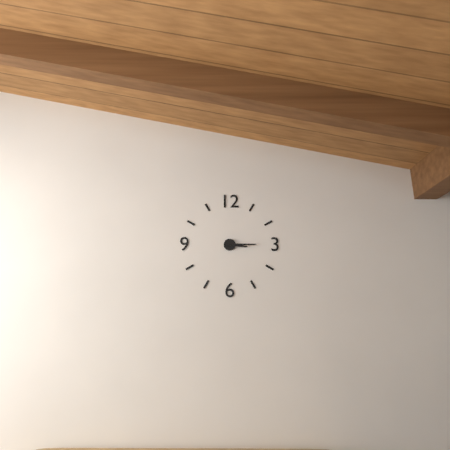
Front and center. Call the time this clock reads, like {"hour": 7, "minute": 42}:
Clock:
{"hour": 3, "minute": 15}
